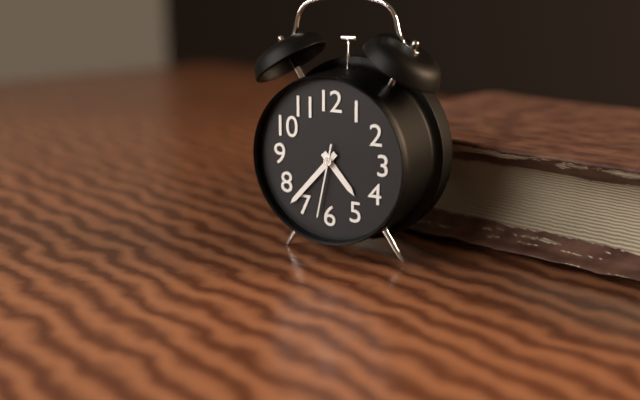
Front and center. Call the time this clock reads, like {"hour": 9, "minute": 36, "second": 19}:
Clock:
{"hour": 4, "minute": 37, "second": 32}
